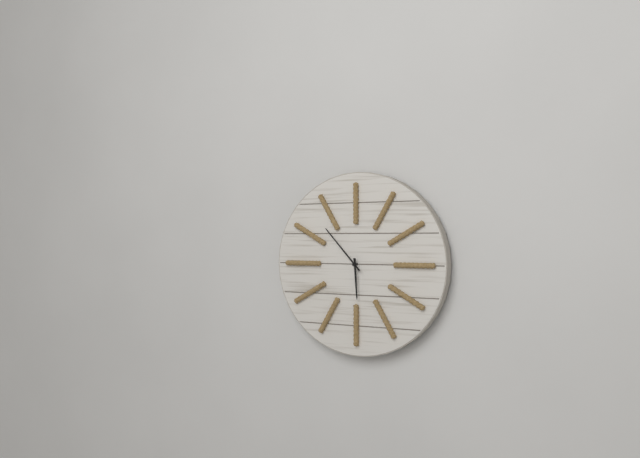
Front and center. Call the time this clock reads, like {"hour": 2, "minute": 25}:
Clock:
{"hour": 5, "minute": 53}
